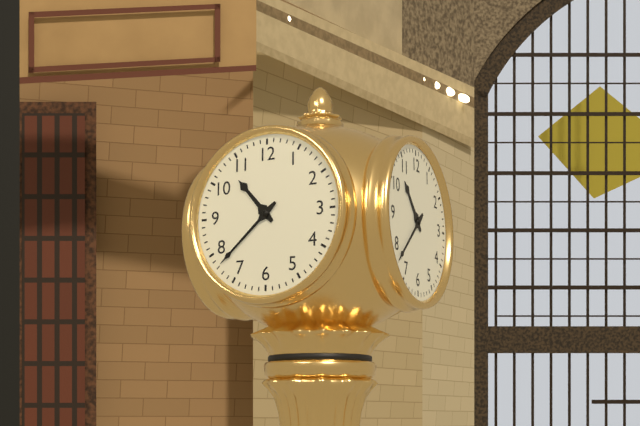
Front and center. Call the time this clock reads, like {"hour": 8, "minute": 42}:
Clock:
{"hour": 10, "minute": 38}
